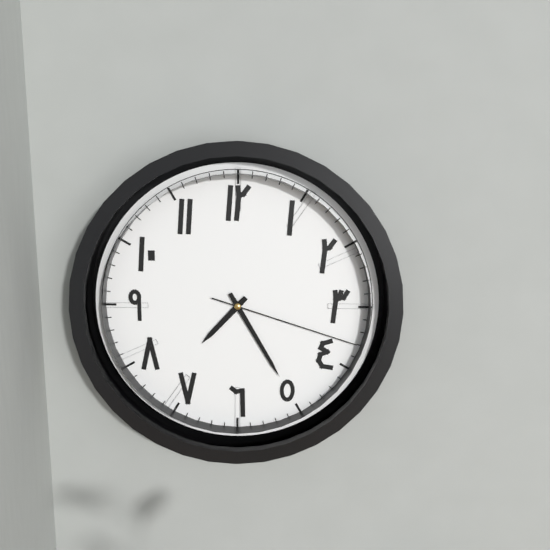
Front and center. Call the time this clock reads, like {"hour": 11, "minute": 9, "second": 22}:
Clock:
{"hour": 7, "minute": 25, "second": 18}
